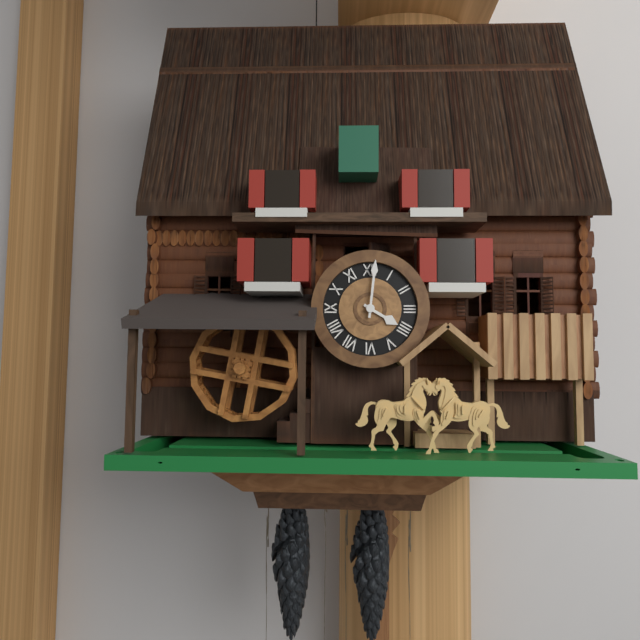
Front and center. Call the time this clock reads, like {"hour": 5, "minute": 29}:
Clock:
{"hour": 4, "minute": 1}
